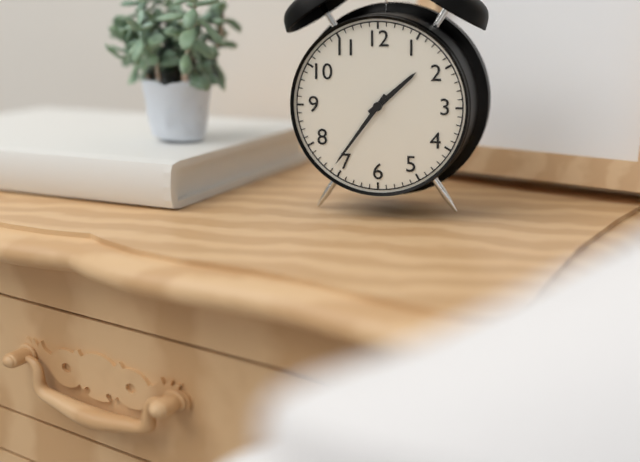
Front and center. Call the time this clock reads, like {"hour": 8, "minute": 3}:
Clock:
{"hour": 1, "minute": 36}
